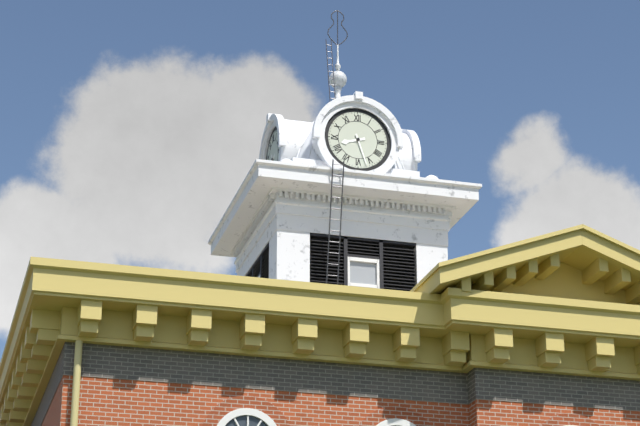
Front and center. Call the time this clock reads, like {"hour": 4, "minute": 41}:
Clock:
{"hour": 8, "minute": 27}
